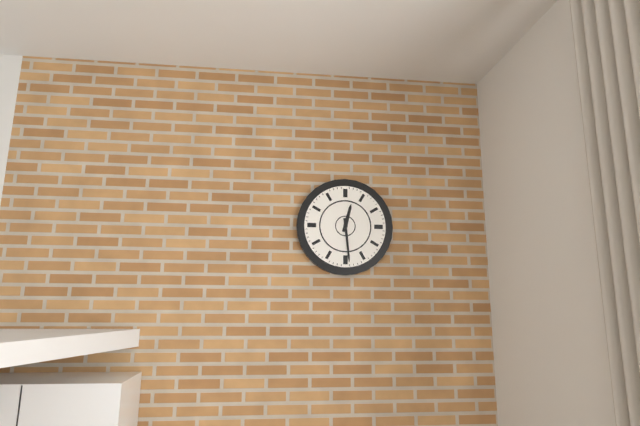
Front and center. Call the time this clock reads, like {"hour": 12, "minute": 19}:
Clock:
{"hour": 12, "minute": 29}
